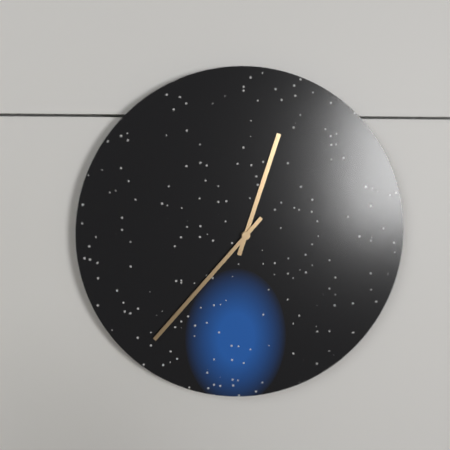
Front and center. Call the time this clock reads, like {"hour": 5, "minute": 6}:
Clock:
{"hour": 12, "minute": 37}
